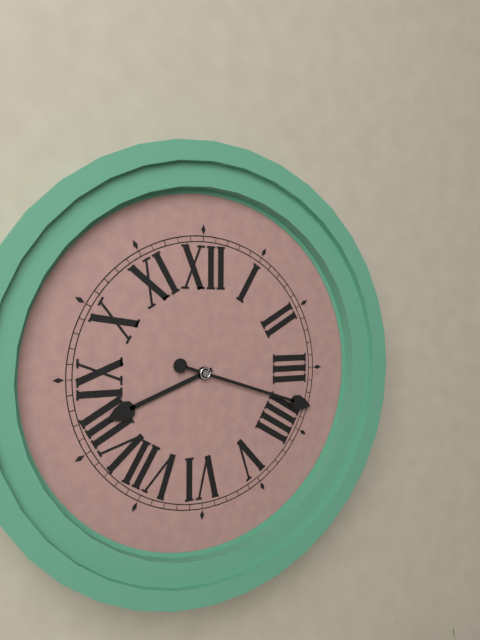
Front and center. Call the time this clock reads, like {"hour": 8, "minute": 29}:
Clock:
{"hour": 8, "minute": 18}
